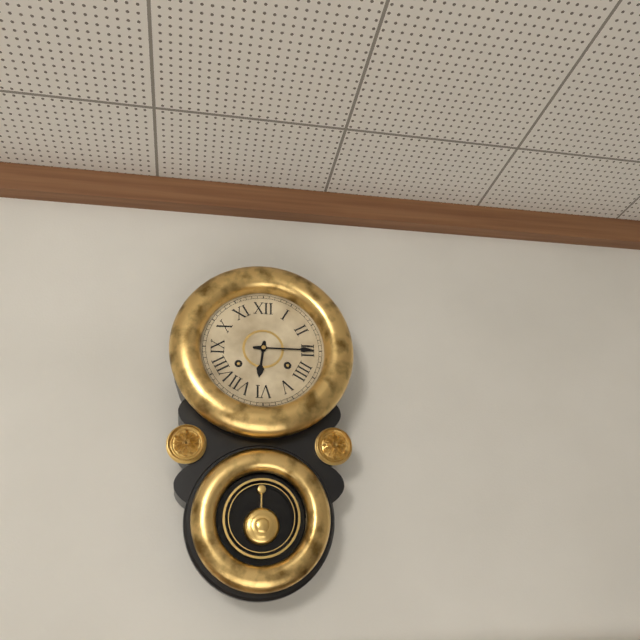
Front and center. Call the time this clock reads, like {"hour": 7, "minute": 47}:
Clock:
{"hour": 6, "minute": 15}
